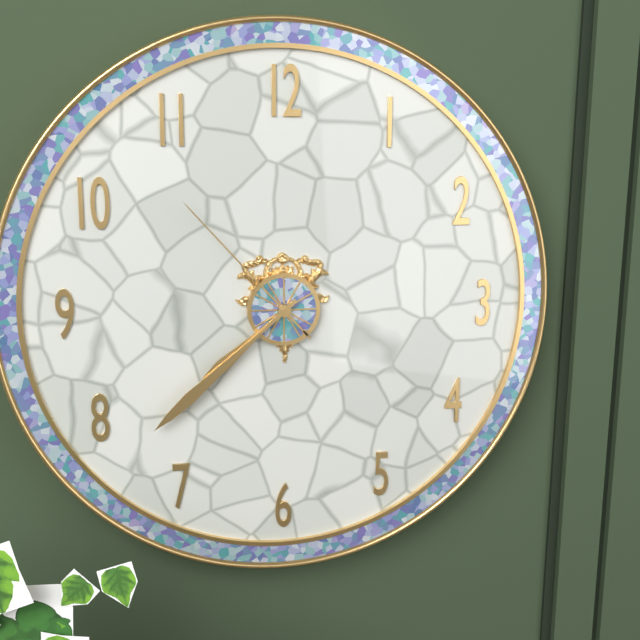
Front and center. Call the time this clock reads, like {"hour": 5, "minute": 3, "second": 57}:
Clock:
{"hour": 7, "minute": 38, "second": 53}
